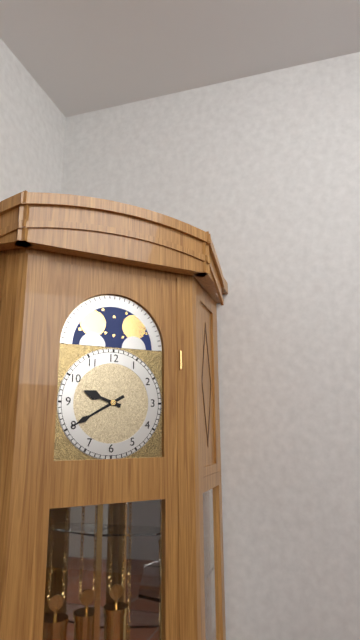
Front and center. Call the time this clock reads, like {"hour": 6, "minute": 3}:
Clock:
{"hour": 9, "minute": 40}
